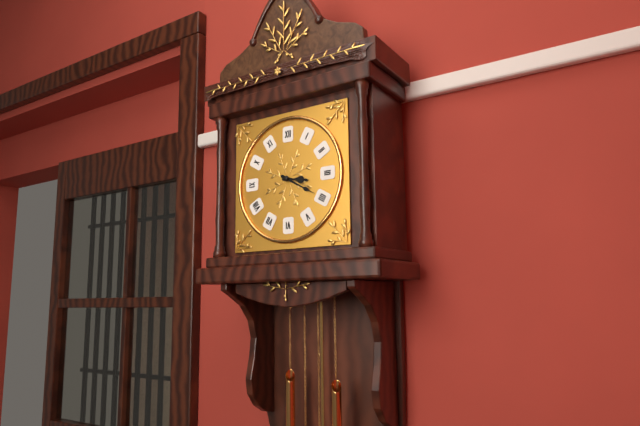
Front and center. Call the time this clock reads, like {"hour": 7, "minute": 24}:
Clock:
{"hour": 3, "minute": 20}
